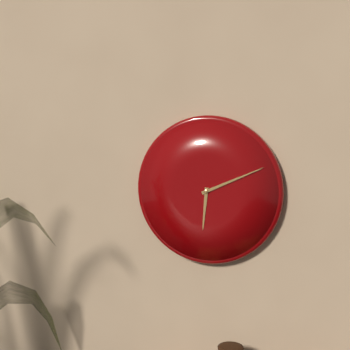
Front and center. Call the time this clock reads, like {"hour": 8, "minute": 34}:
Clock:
{"hour": 6, "minute": 11}
